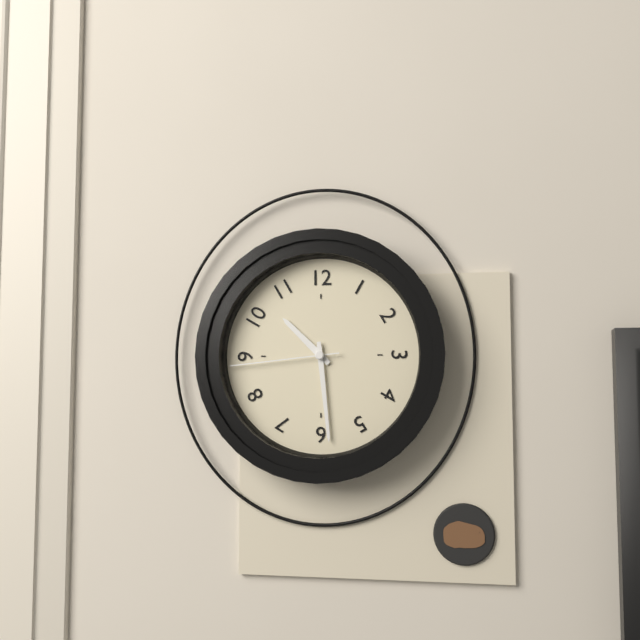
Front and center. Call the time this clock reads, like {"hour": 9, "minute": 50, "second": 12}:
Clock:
{"hour": 10, "minute": 29, "second": 44}
